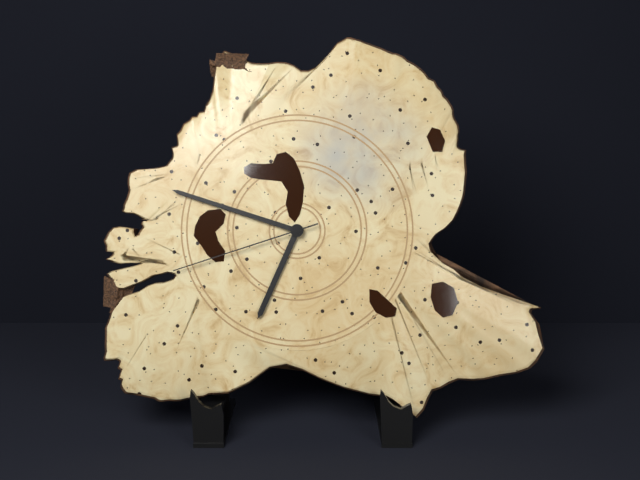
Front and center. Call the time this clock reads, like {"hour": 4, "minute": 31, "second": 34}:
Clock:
{"hour": 6, "minute": 48, "second": 42}
